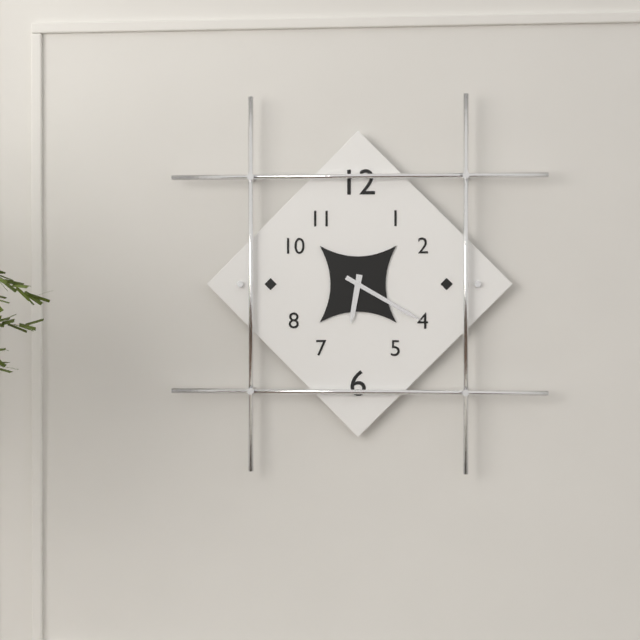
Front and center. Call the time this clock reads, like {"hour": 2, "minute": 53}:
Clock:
{"hour": 6, "minute": 20}
